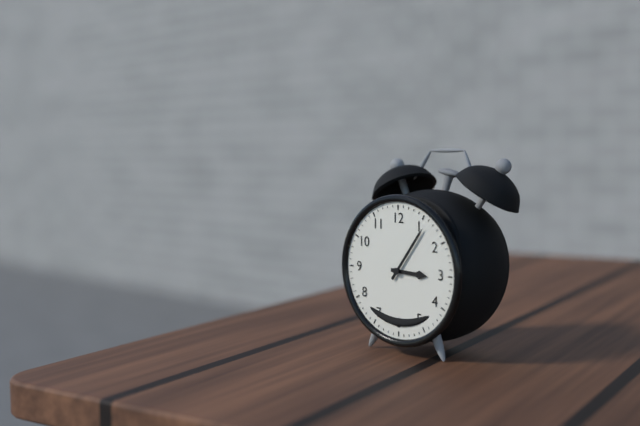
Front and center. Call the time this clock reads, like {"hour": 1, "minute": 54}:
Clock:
{"hour": 3, "minute": 6}
